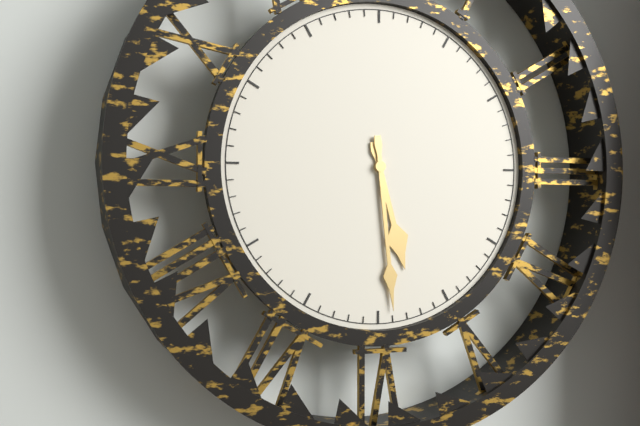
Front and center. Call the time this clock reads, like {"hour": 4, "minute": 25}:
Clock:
{"hour": 5, "minute": 29}
